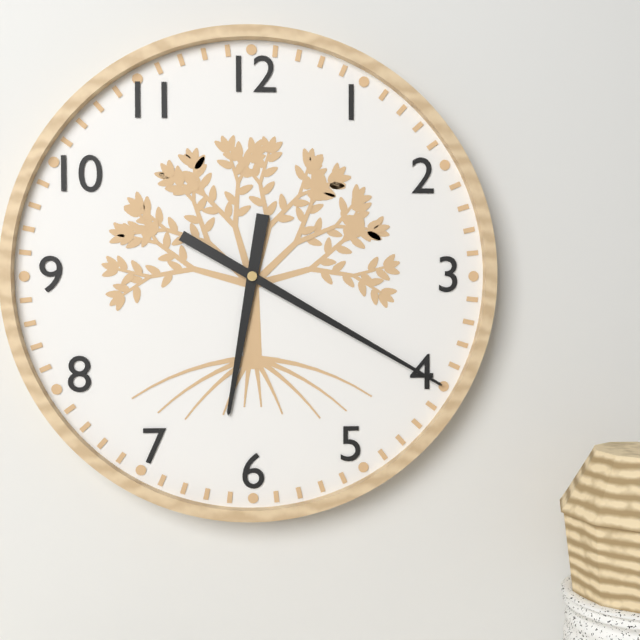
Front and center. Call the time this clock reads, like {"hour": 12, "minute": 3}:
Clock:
{"hour": 6, "minute": 20}
